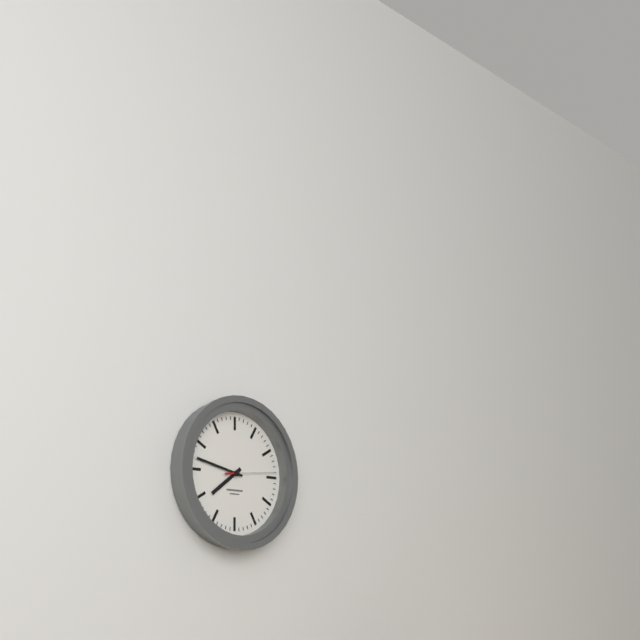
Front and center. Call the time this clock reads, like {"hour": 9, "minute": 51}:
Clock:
{"hour": 7, "minute": 47}
